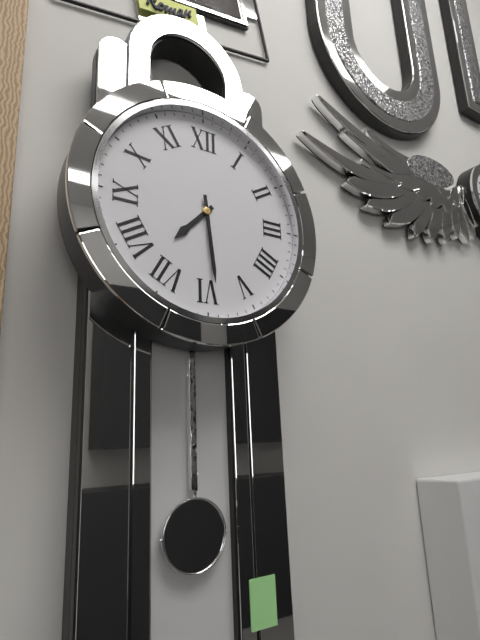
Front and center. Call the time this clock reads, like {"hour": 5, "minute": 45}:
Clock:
{"hour": 7, "minute": 29}
